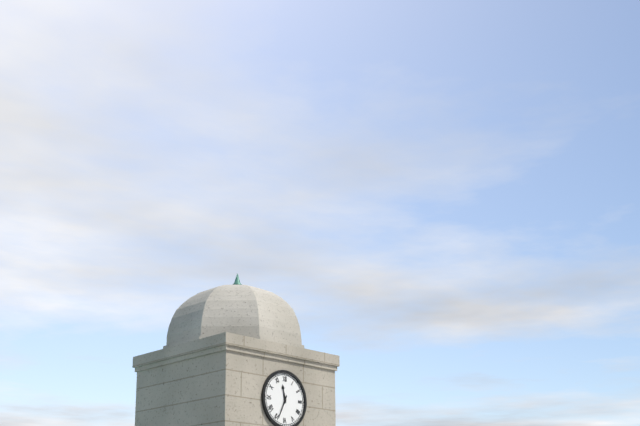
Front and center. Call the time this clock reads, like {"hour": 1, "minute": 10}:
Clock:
{"hour": 11, "minute": 34}
